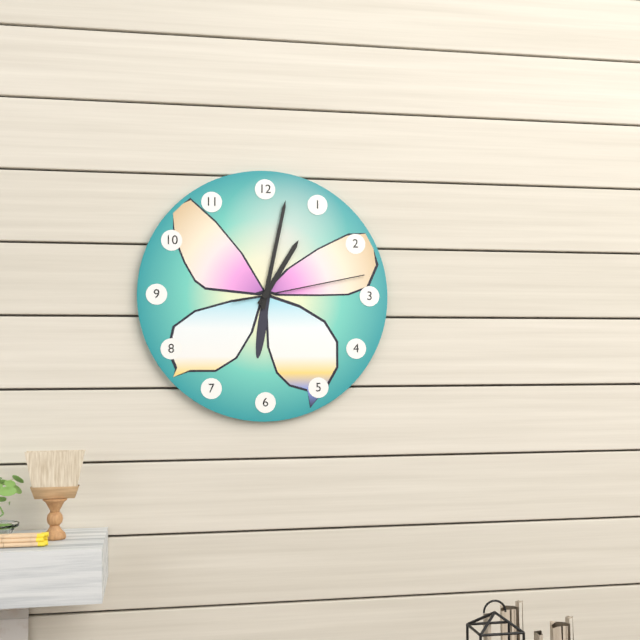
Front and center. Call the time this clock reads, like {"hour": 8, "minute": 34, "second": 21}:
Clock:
{"hour": 1, "minute": 2, "second": 13}
